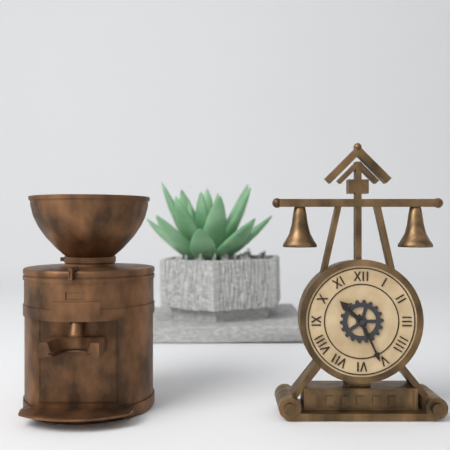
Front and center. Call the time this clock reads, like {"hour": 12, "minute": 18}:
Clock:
{"hour": 10, "minute": 26}
